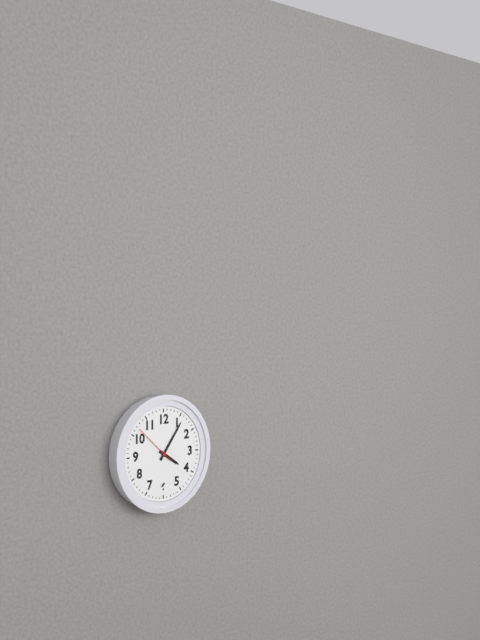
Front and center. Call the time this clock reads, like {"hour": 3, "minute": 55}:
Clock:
{"hour": 4, "minute": 6}
